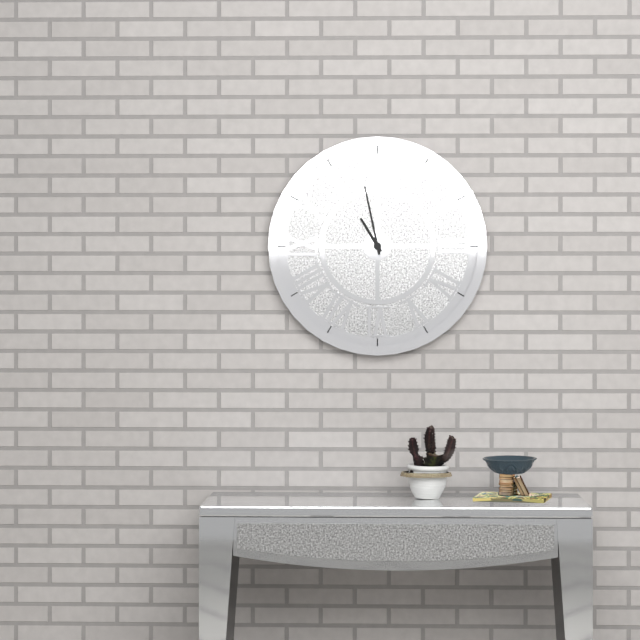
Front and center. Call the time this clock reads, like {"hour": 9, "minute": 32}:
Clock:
{"hour": 10, "minute": 58}
